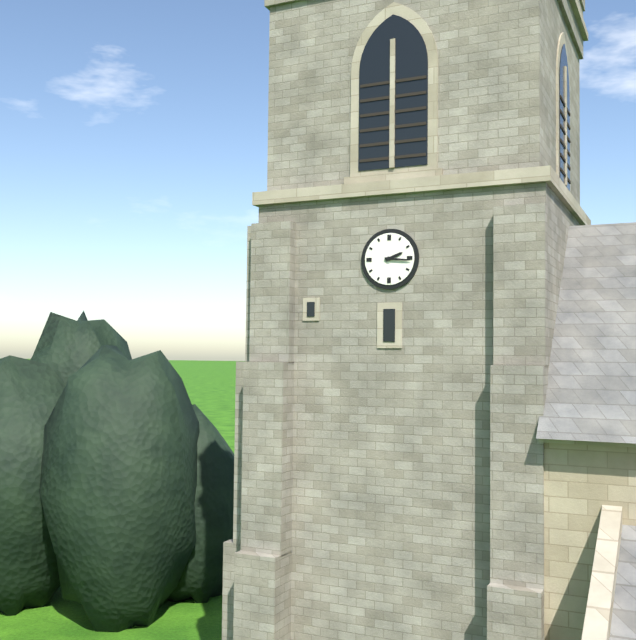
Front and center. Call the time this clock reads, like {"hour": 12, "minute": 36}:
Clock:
{"hour": 2, "minute": 16}
